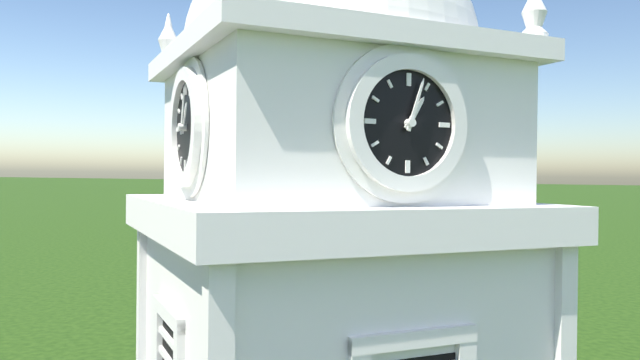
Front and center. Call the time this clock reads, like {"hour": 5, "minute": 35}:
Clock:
{"hour": 1, "minute": 3}
